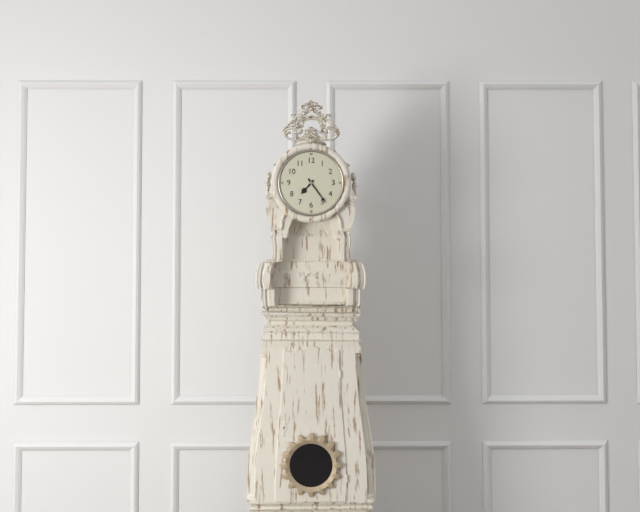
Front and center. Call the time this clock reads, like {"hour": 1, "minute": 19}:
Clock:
{"hour": 7, "minute": 24}
